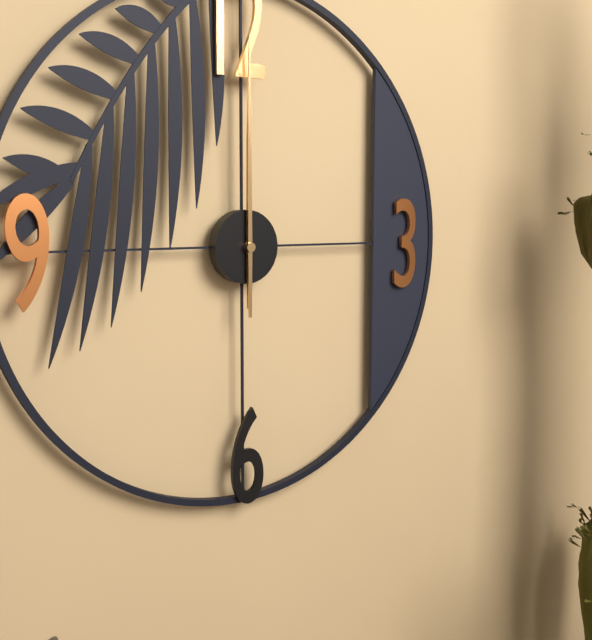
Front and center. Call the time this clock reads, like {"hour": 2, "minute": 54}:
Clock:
{"hour": 12, "minute": 0}
